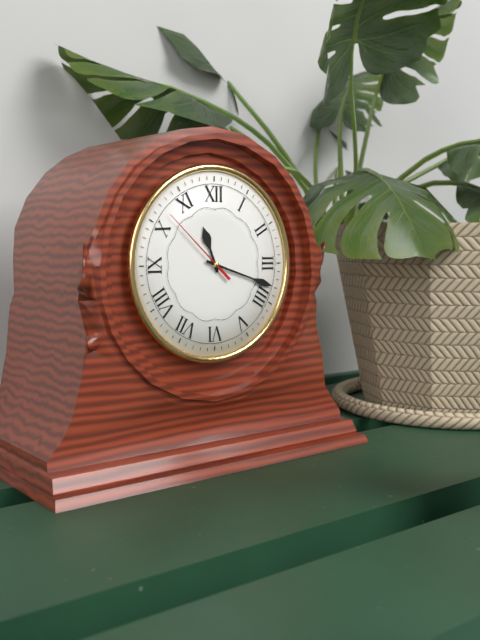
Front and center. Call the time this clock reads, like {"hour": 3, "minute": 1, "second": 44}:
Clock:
{"hour": 11, "minute": 18, "second": 52}
